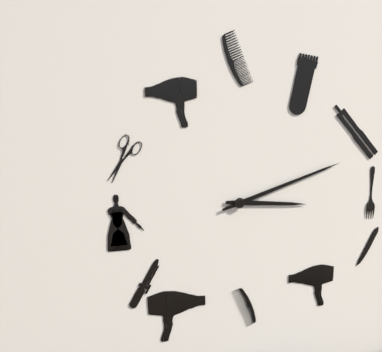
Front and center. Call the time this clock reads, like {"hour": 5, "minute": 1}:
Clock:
{"hour": 3, "minute": 12}
